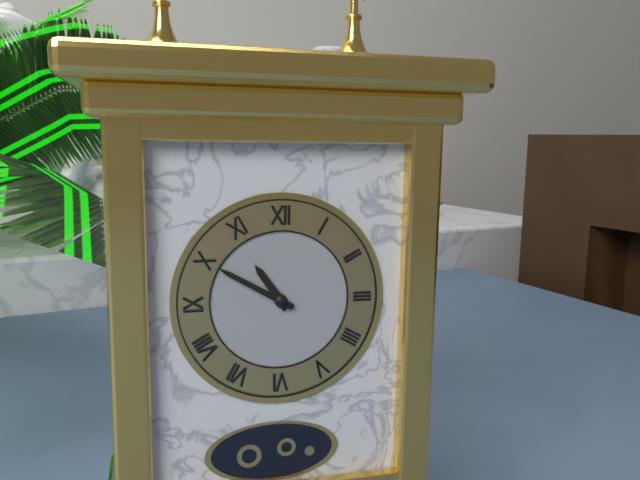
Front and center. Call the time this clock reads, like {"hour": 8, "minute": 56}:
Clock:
{"hour": 10, "minute": 50}
